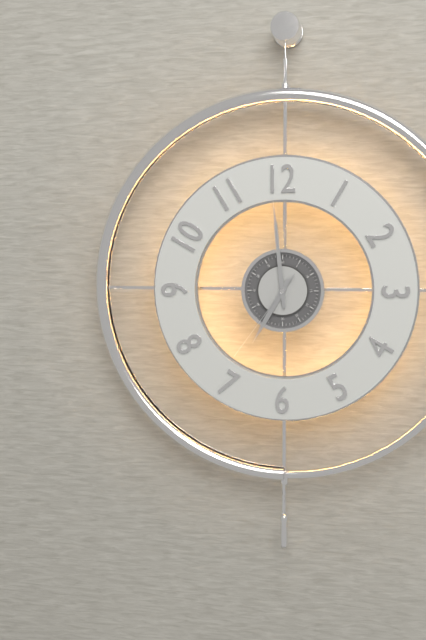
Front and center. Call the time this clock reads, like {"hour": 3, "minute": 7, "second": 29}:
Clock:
{"hour": 6, "minute": 59, "second": 36}
